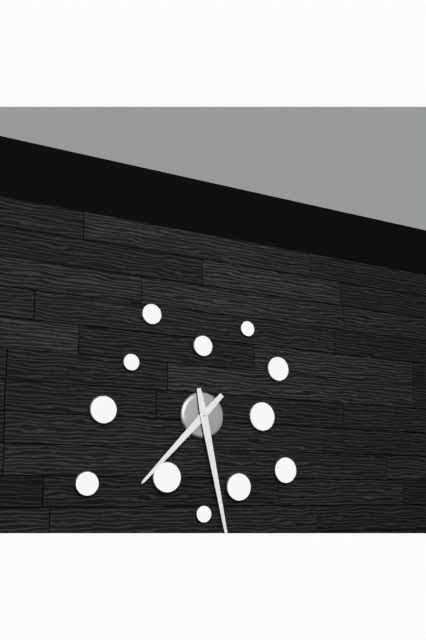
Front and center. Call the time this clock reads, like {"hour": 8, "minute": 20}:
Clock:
{"hour": 7, "minute": 28}
